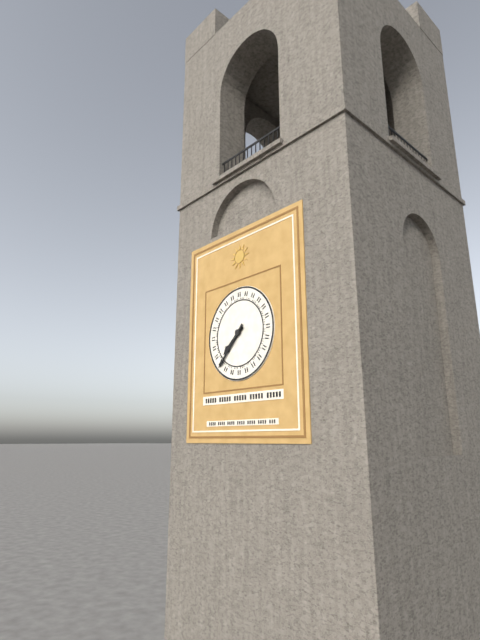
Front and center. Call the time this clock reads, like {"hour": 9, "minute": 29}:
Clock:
{"hour": 7, "minute": 37}
